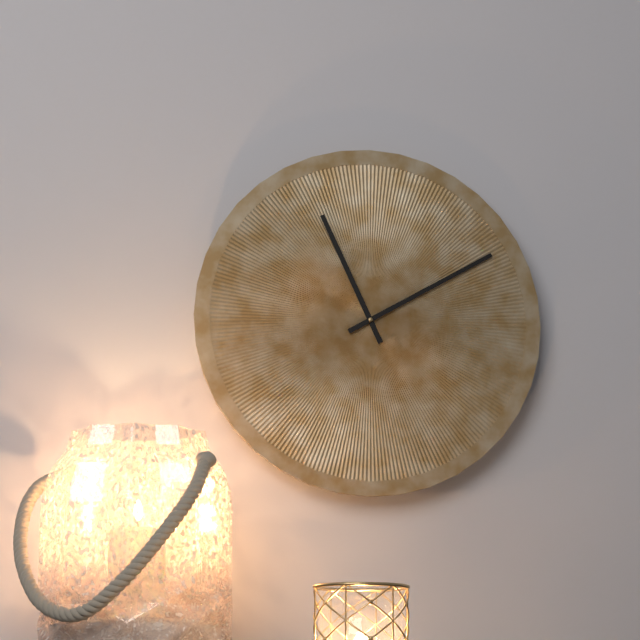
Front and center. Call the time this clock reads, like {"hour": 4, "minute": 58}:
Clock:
{"hour": 11, "minute": 10}
